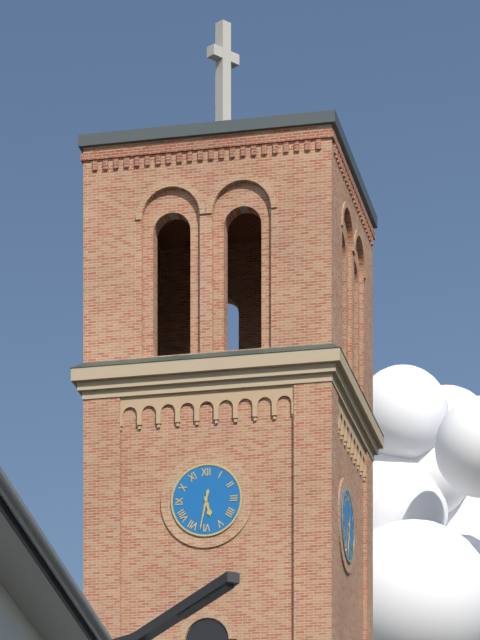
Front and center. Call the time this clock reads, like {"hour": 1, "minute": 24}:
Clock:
{"hour": 5, "minute": 32}
